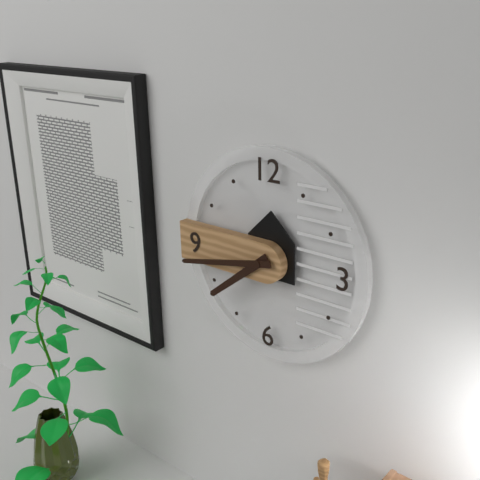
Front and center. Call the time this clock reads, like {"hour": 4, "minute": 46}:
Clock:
{"hour": 7, "minute": 43}
